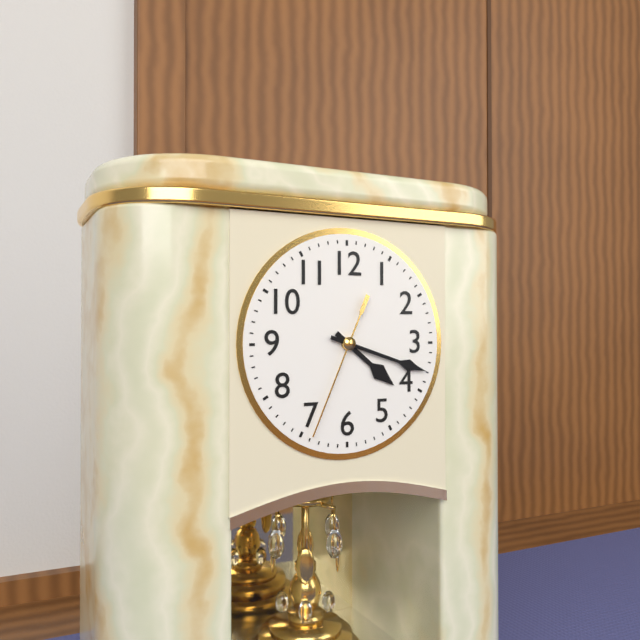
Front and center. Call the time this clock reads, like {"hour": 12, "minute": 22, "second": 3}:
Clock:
{"hour": 4, "minute": 18, "second": 34}
